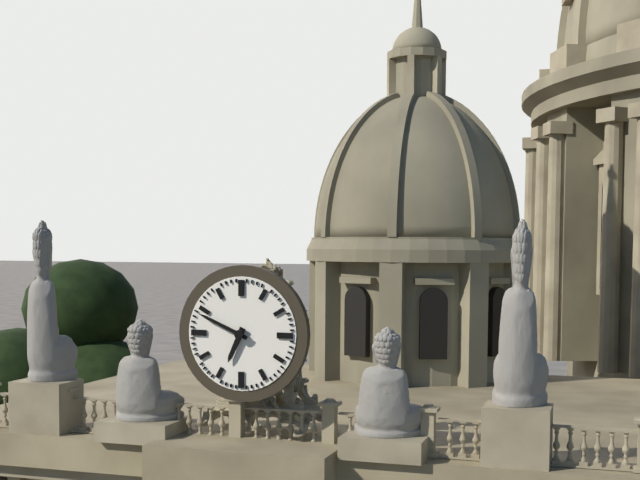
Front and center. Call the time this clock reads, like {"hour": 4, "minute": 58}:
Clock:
{"hour": 6, "minute": 49}
